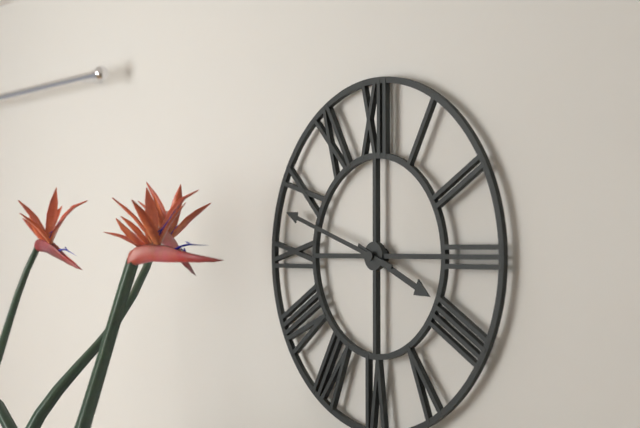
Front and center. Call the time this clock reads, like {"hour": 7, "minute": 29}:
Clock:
{"hour": 3, "minute": 48}
